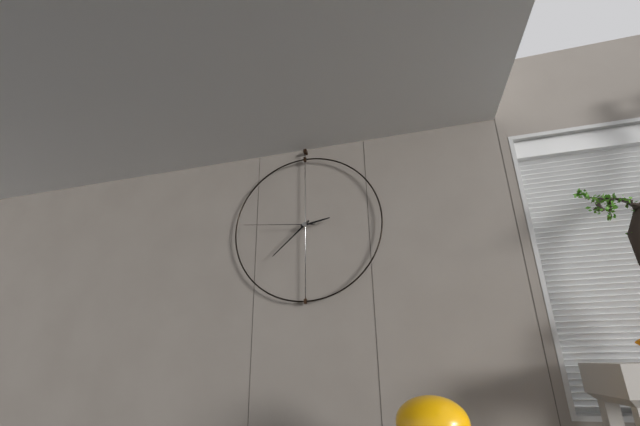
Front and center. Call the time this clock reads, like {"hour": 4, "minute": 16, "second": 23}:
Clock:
{"hour": 2, "minute": 38, "second": 46}
